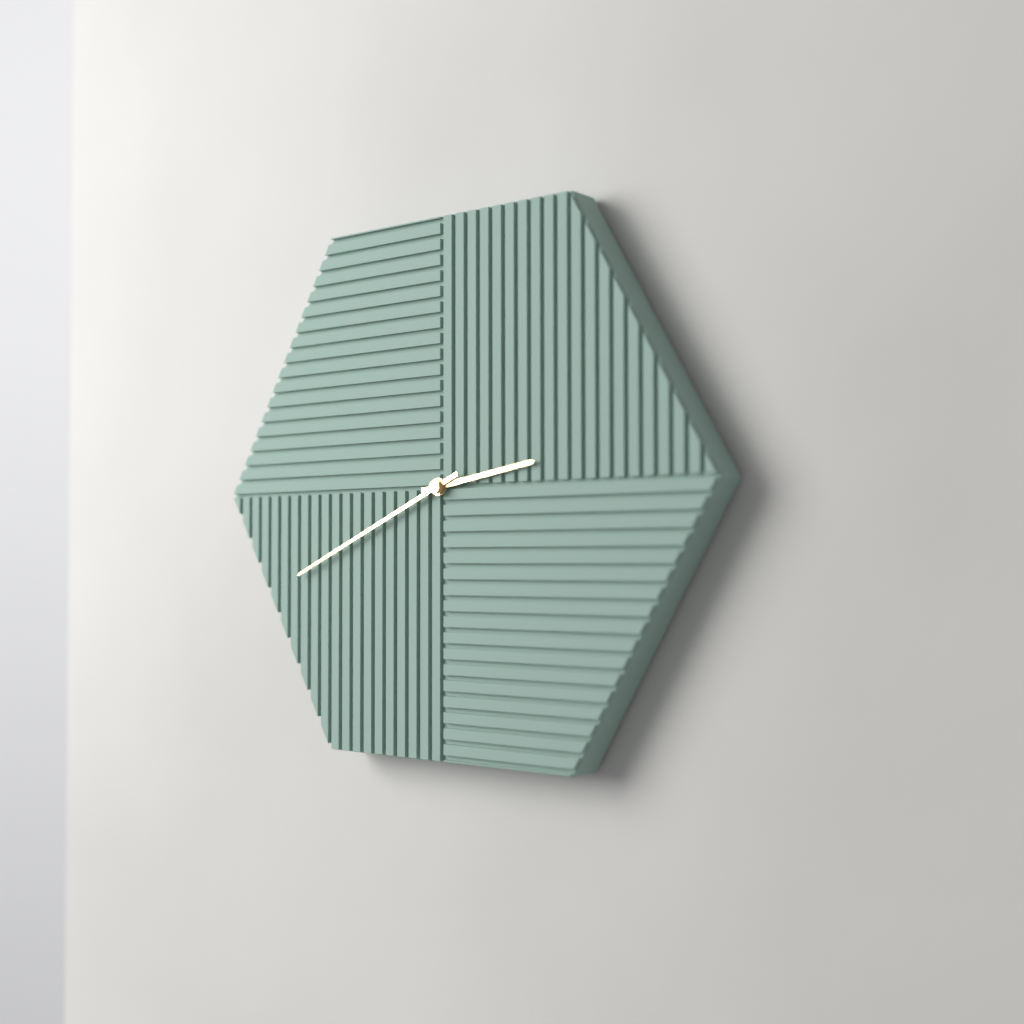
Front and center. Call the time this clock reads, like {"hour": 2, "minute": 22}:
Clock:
{"hour": 2, "minute": 41}
